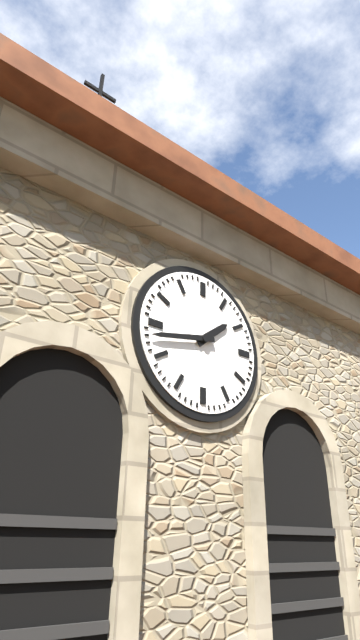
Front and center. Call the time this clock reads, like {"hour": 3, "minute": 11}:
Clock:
{"hour": 1, "minute": 43}
